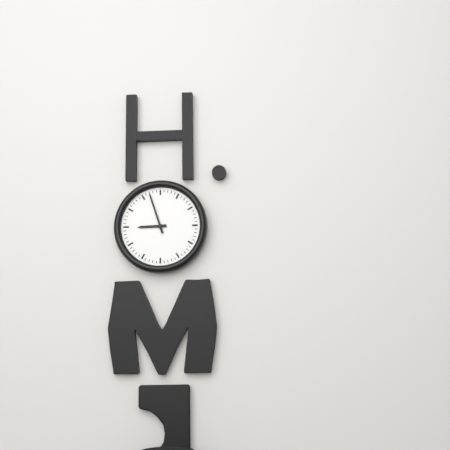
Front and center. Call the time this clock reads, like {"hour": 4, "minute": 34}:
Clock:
{"hour": 8, "minute": 57}
